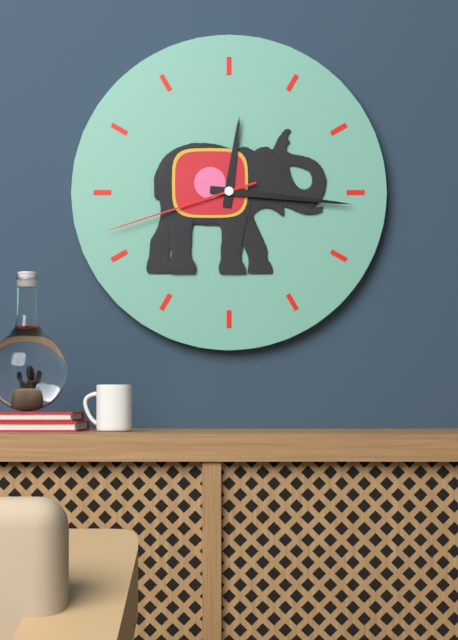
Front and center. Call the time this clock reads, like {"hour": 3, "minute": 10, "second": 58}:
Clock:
{"hour": 12, "minute": 16, "second": 42}
